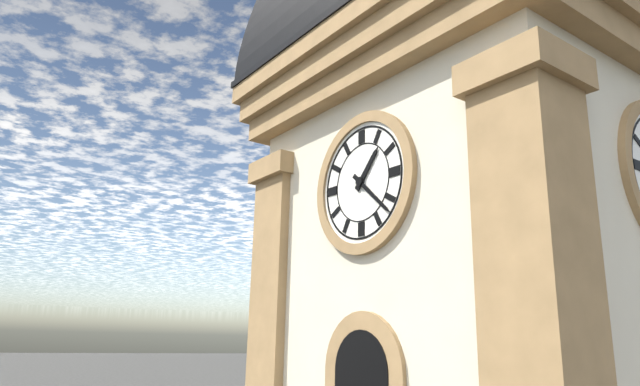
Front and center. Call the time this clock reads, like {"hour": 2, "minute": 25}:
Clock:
{"hour": 1, "minute": 22}
